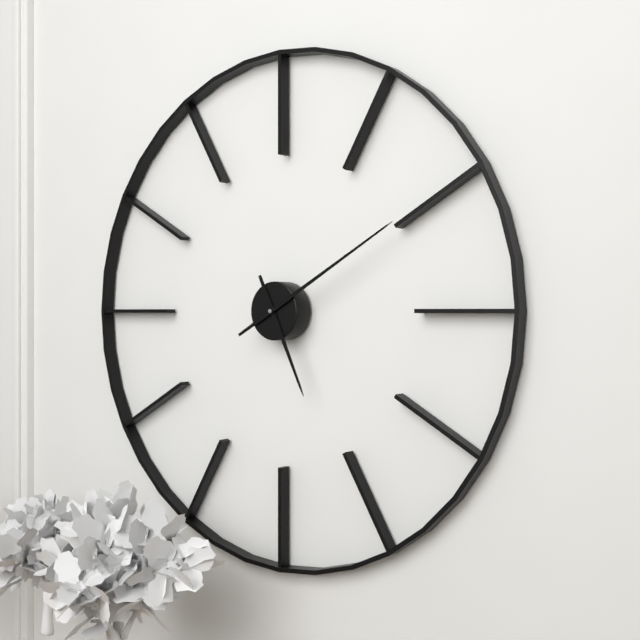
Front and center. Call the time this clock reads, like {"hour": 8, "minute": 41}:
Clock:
{"hour": 5, "minute": 10}
